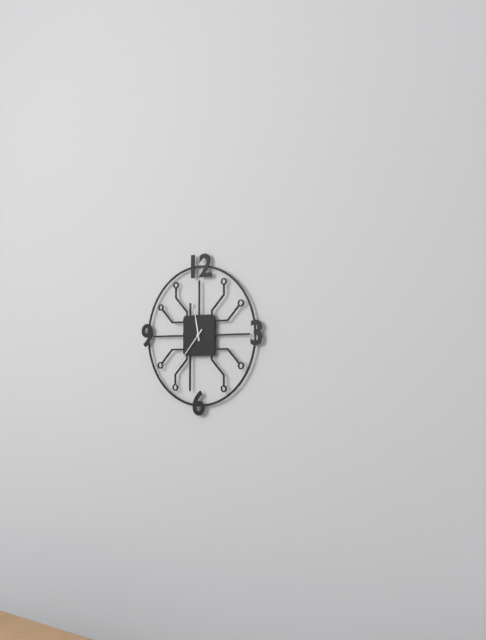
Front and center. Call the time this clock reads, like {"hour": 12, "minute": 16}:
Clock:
{"hour": 11, "minute": 37}
